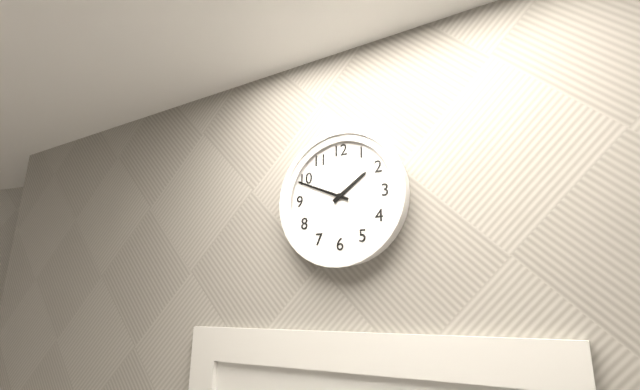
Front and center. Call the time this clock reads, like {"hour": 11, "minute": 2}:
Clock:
{"hour": 1, "minute": 49}
